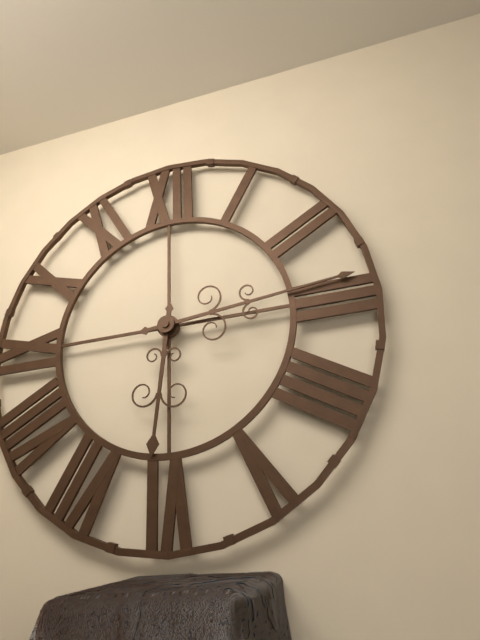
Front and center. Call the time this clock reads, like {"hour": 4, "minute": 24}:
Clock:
{"hour": 6, "minute": 14}
